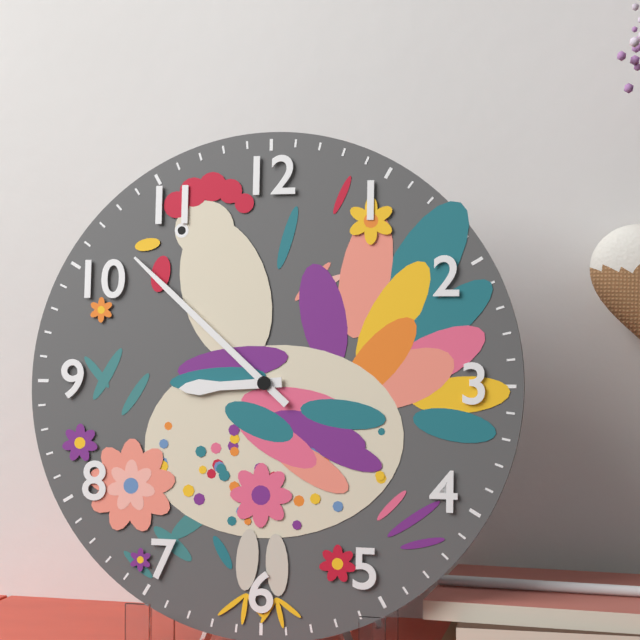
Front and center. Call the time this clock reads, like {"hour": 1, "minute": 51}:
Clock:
{"hour": 8, "minute": 52}
